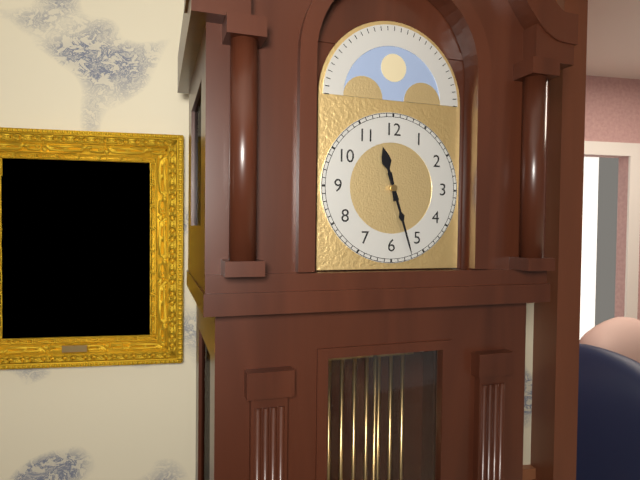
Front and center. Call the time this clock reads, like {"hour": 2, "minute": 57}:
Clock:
{"hour": 11, "minute": 27}
